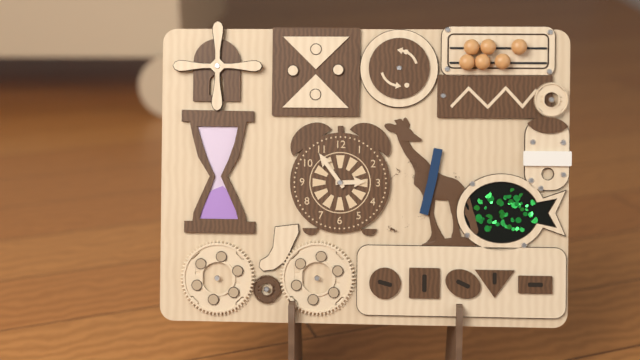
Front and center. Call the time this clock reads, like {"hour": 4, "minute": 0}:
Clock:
{"hour": 2, "minute": 54}
